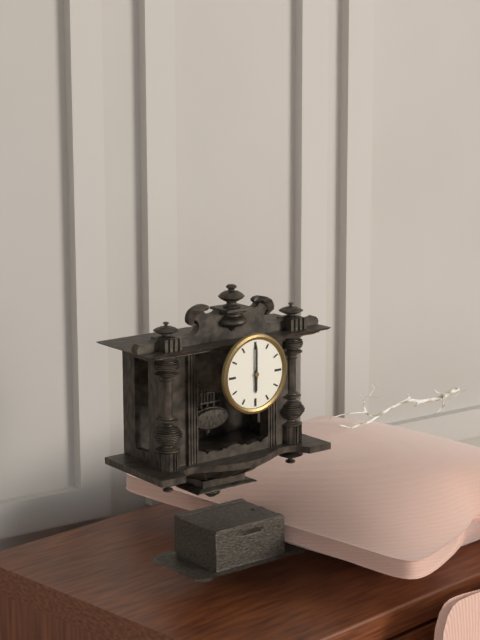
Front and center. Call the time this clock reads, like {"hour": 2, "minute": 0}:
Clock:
{"hour": 6, "minute": 0}
